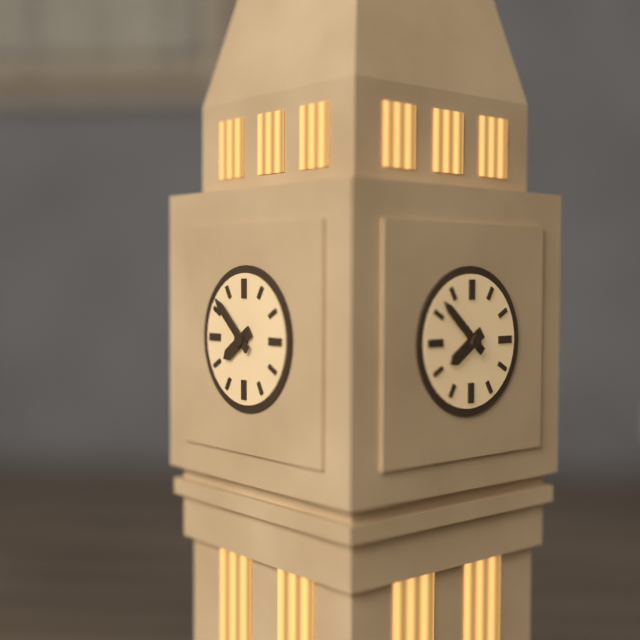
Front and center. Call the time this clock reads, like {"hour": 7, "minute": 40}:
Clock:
{"hour": 7, "minute": 52}
